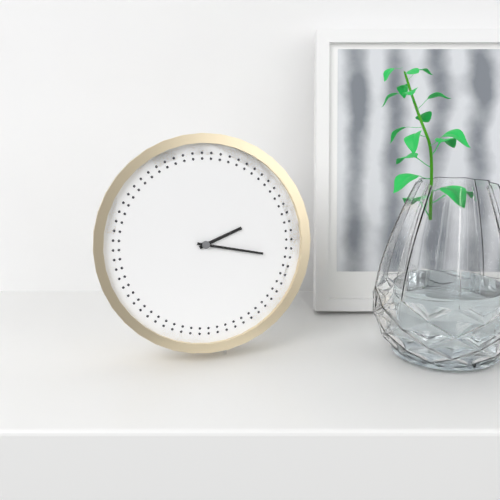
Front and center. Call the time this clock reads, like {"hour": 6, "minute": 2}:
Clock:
{"hour": 2, "minute": 17}
